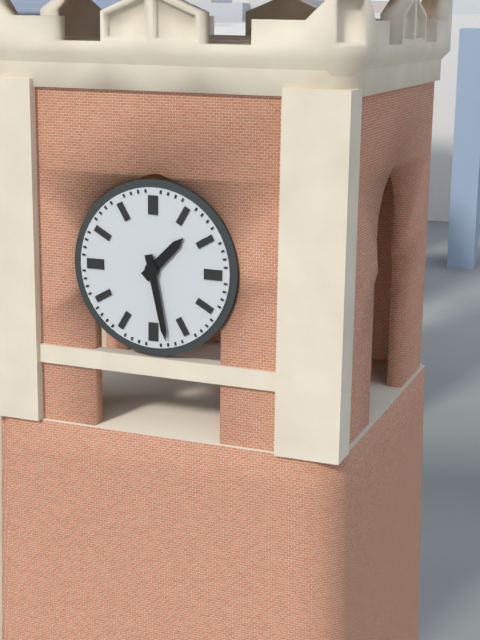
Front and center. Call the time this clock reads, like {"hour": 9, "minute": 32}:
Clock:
{"hour": 1, "minute": 28}
